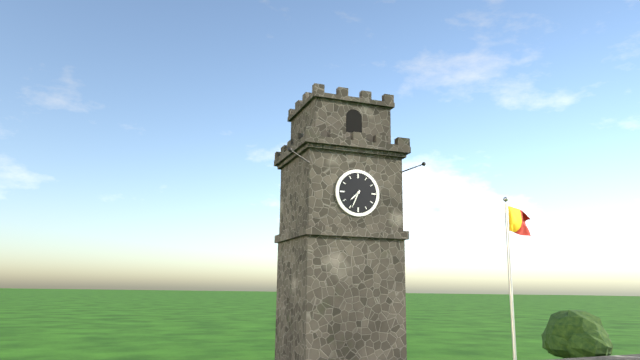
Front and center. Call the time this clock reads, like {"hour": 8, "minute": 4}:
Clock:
{"hour": 7, "minute": 34}
